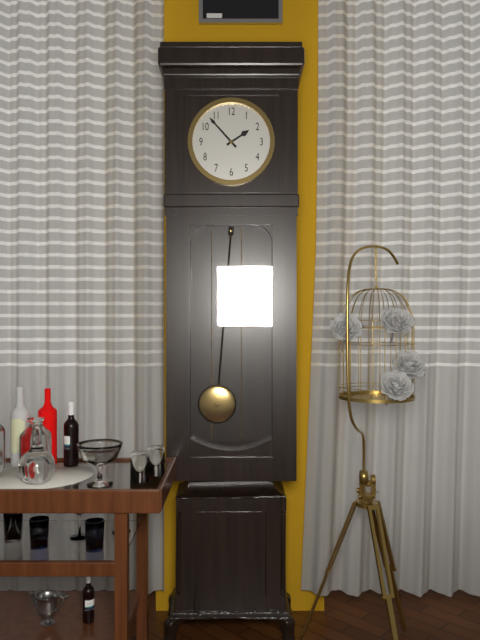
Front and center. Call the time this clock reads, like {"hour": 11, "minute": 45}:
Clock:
{"hour": 1, "minute": 53}
